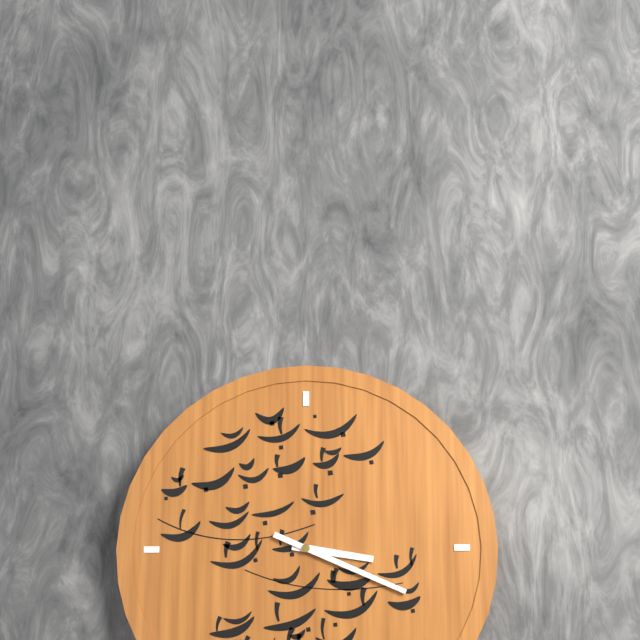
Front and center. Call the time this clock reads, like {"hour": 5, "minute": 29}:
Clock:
{"hour": 3, "minute": 19}
